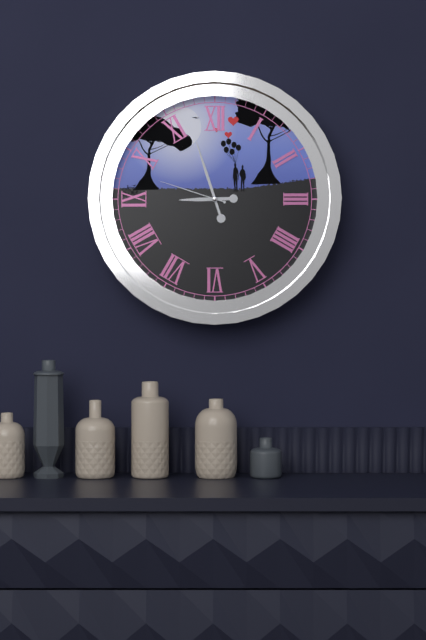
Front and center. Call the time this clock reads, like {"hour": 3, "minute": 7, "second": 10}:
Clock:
{"hour": 8, "minute": 57, "second": 48}
